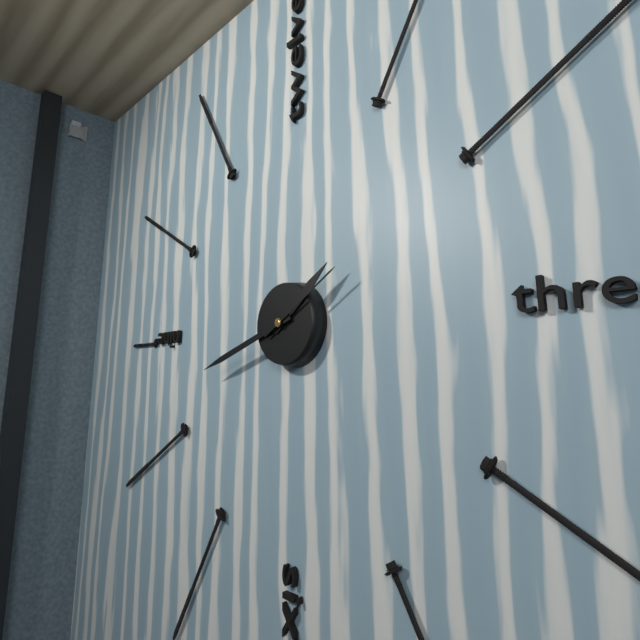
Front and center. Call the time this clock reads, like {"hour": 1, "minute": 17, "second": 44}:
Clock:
{"hour": 1, "minute": 42, "second": 10}
